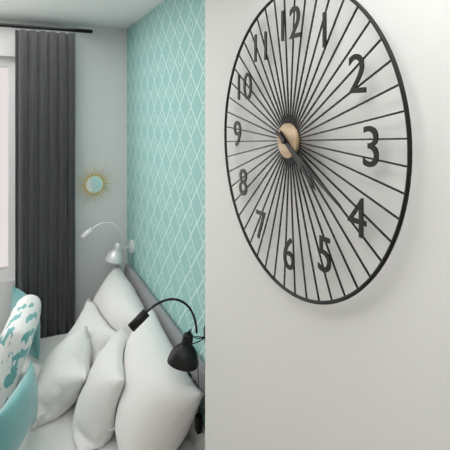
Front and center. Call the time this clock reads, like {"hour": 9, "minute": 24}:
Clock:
{"hour": 4, "minute": 20}
